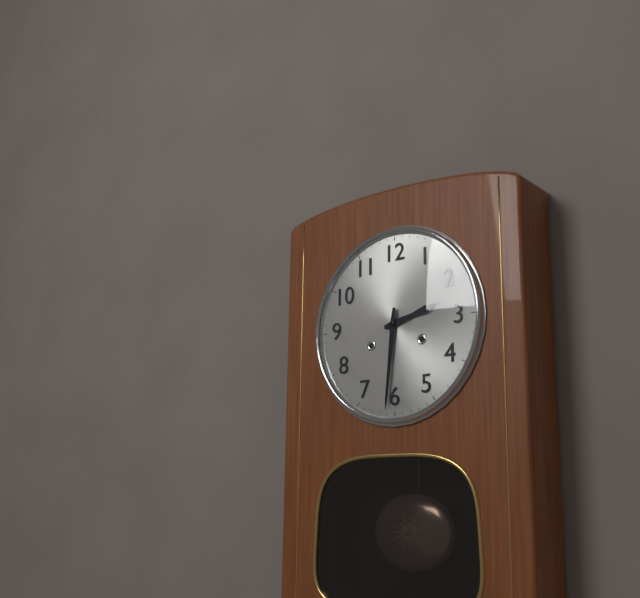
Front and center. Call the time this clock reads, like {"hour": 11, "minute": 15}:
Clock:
{"hour": 2, "minute": 31}
